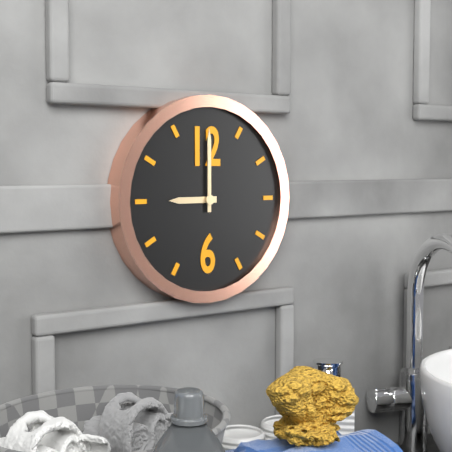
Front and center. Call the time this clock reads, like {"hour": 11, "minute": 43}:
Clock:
{"hour": 9, "minute": 0}
